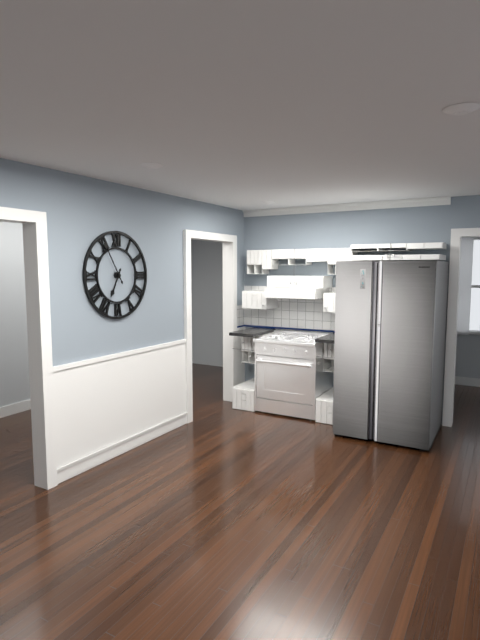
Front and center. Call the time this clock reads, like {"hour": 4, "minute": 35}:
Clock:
{"hour": 6, "minute": 55}
